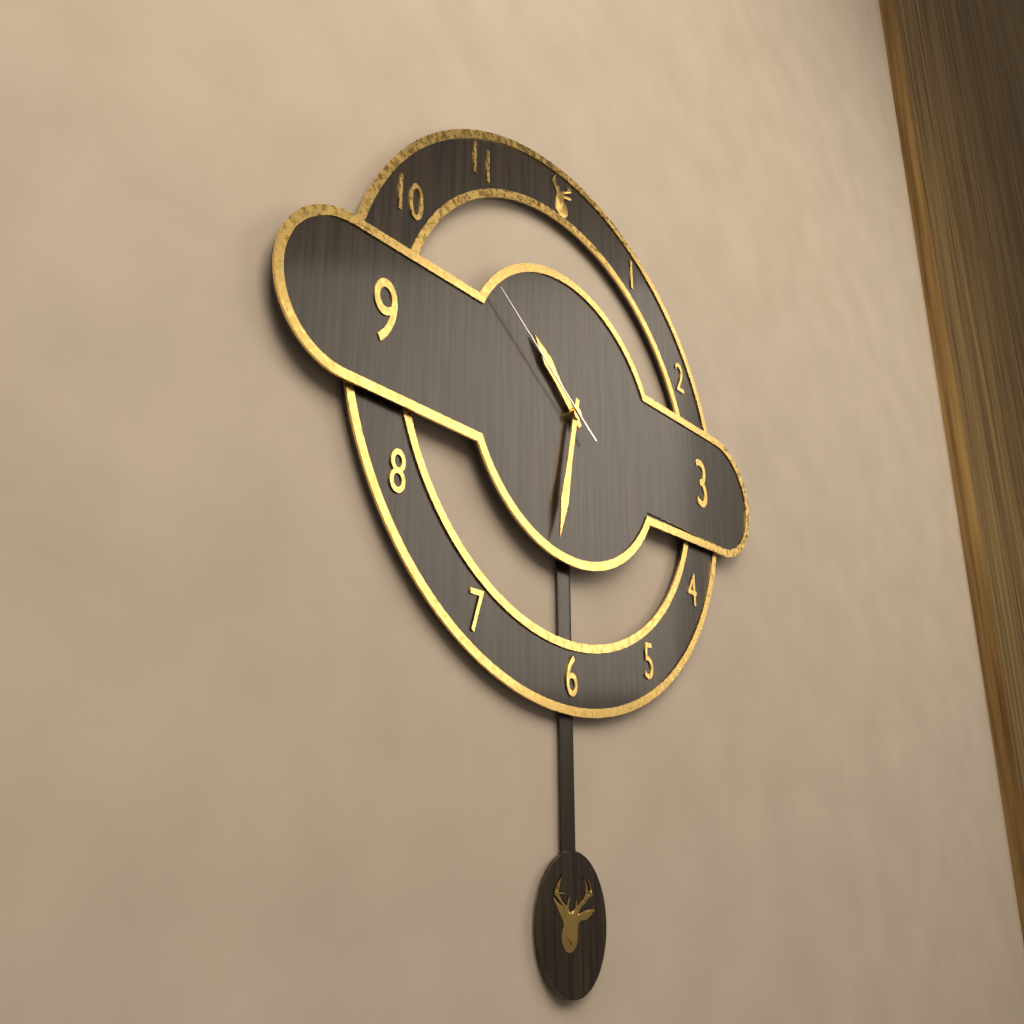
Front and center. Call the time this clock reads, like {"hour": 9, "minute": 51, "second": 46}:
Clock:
{"hour": 10, "minute": 32, "second": 51}
